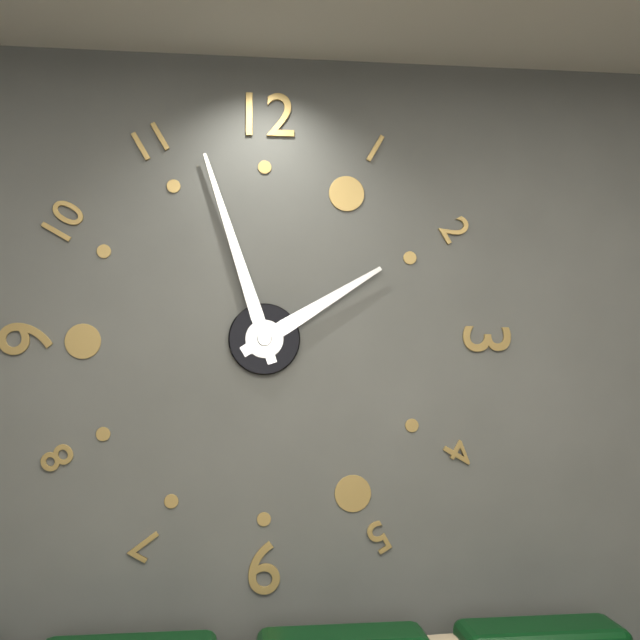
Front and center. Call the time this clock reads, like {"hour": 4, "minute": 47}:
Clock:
{"hour": 1, "minute": 57}
